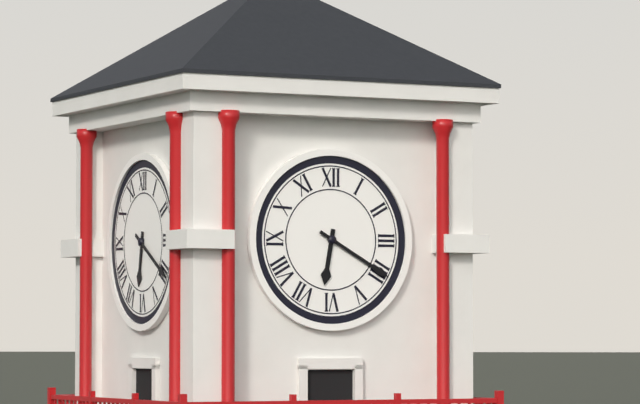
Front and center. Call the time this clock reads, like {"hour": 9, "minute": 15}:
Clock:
{"hour": 6, "minute": 20}
